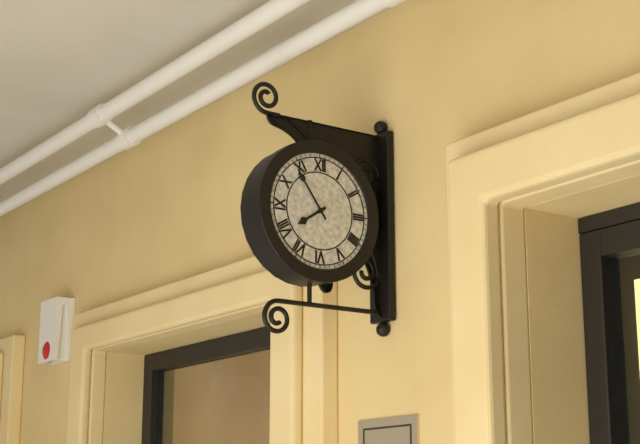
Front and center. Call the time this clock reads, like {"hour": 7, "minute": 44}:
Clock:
{"hour": 7, "minute": 54}
